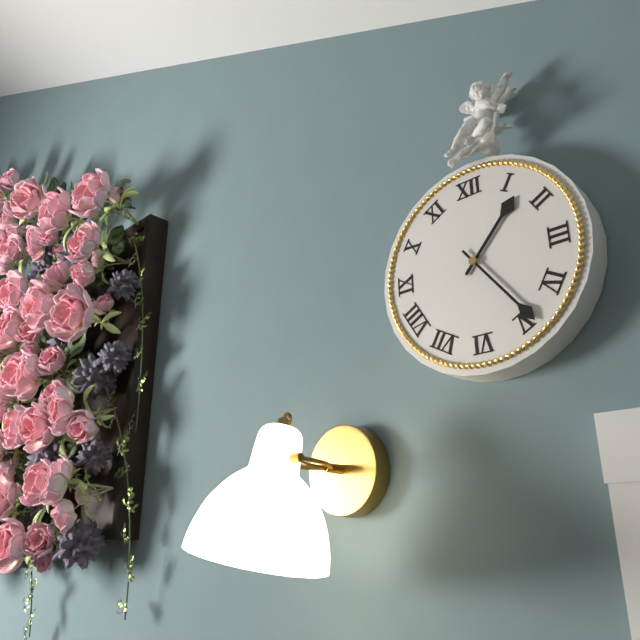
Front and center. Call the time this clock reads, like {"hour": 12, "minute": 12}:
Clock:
{"hour": 1, "minute": 24}
